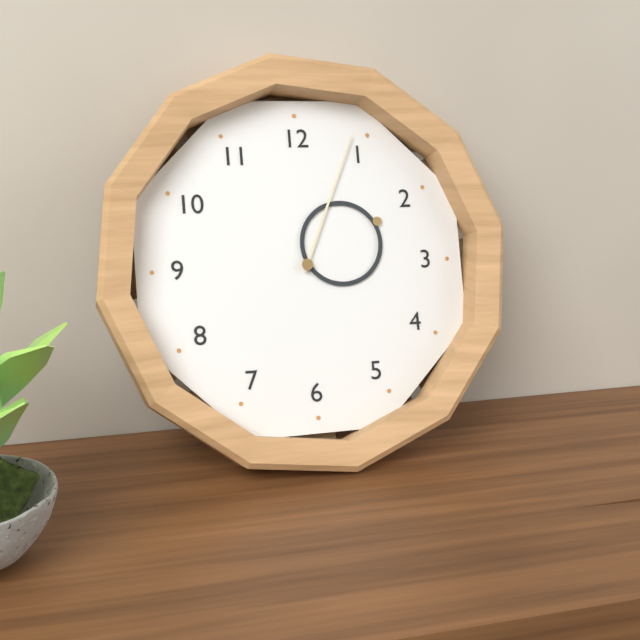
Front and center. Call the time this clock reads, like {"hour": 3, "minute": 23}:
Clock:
{"hour": 2, "minute": 4}
